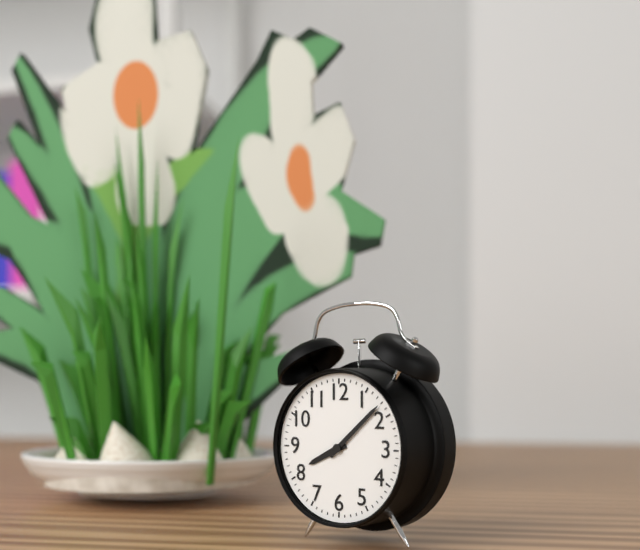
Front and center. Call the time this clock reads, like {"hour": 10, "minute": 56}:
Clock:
{"hour": 8, "minute": 8}
